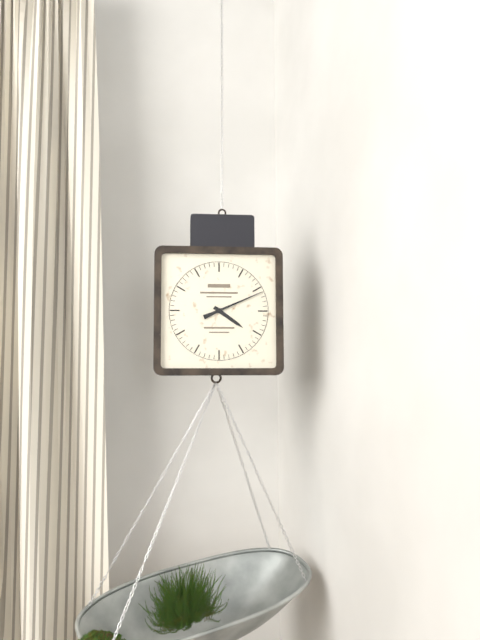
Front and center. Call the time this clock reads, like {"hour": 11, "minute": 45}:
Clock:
{"hour": 4, "minute": 11}
